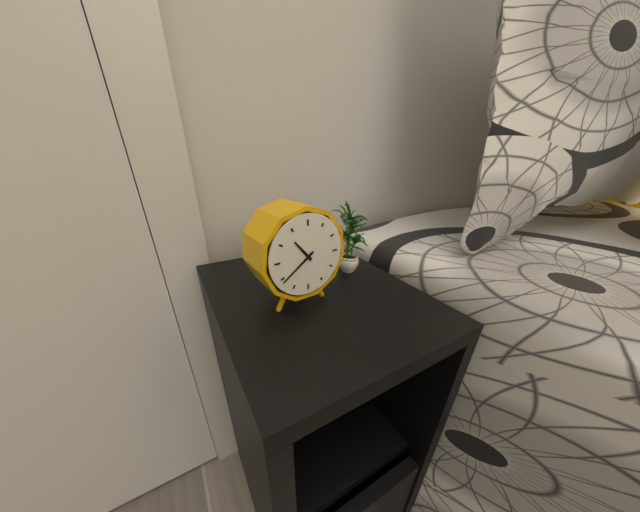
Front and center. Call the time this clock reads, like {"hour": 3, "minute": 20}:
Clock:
{"hour": 10, "minute": 39}
